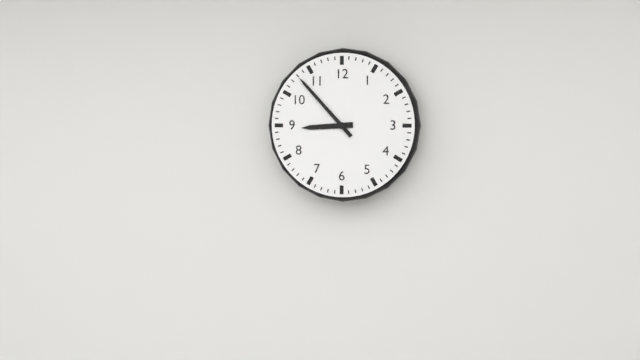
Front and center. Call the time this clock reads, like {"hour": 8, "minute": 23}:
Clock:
{"hour": 8, "minute": 53}
